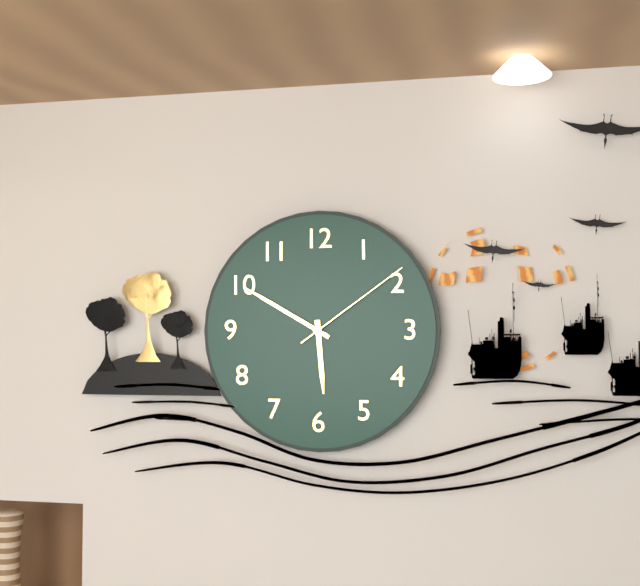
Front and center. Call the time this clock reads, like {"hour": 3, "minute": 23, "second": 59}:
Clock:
{"hour": 5, "minute": 50, "second": 9}
